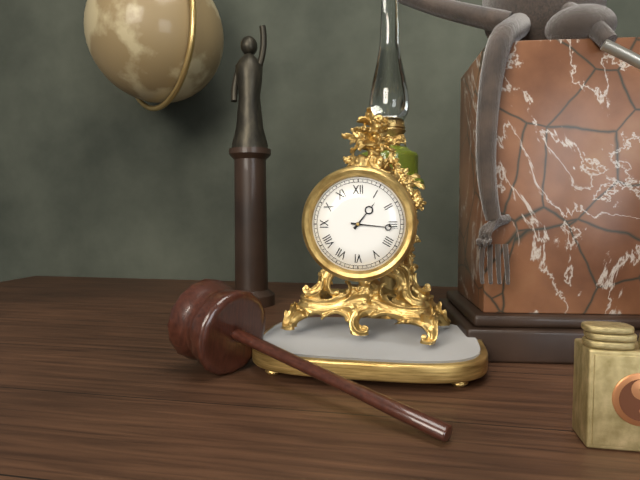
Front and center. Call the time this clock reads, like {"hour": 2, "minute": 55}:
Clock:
{"hour": 1, "minute": 16}
